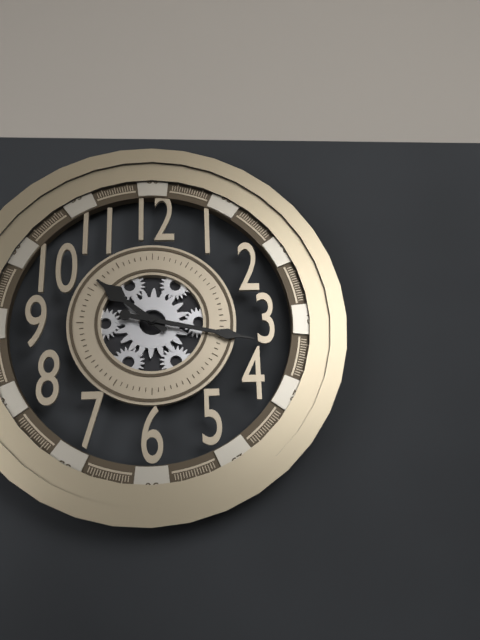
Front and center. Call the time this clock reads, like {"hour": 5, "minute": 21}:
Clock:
{"hour": 10, "minute": 17}
